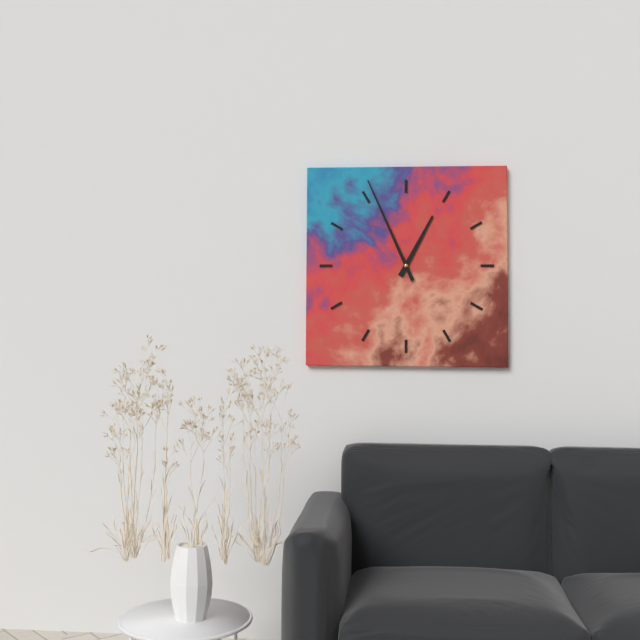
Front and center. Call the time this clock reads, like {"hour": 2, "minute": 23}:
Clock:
{"hour": 12, "minute": 56}
